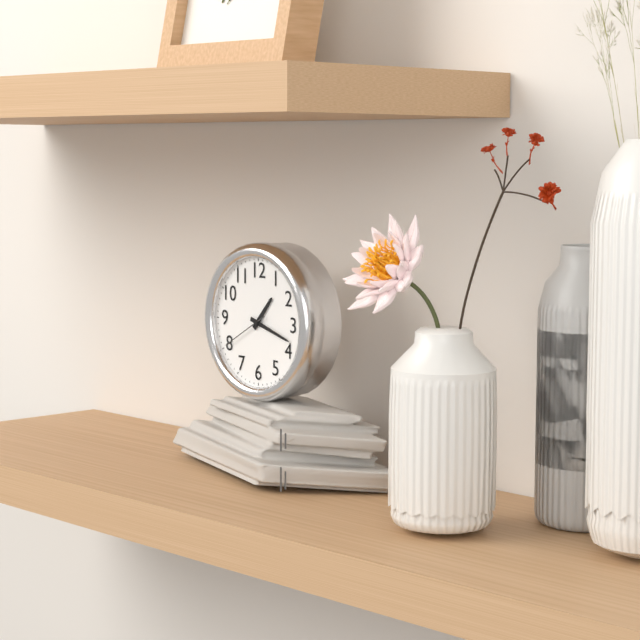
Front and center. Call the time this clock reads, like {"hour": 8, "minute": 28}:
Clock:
{"hour": 1, "minute": 18}
